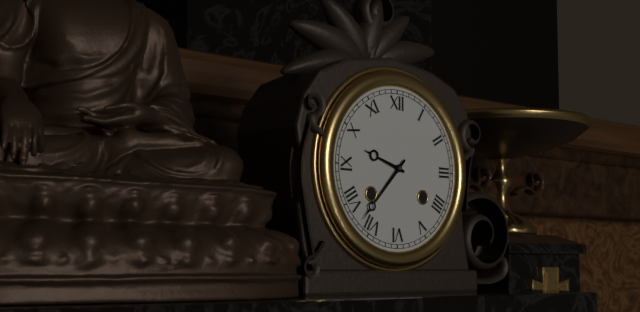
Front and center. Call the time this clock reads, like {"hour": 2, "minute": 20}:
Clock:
{"hour": 9, "minute": 37}
